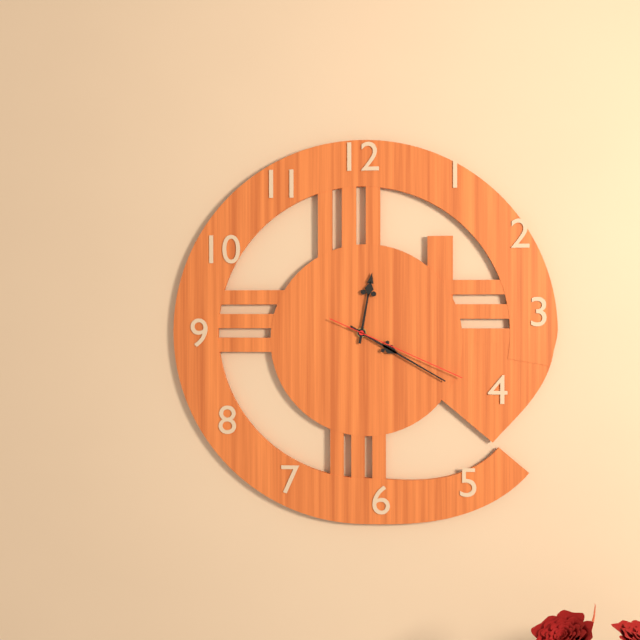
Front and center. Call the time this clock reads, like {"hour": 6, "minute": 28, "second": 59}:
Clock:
{"hour": 12, "minute": 20, "second": 19}
